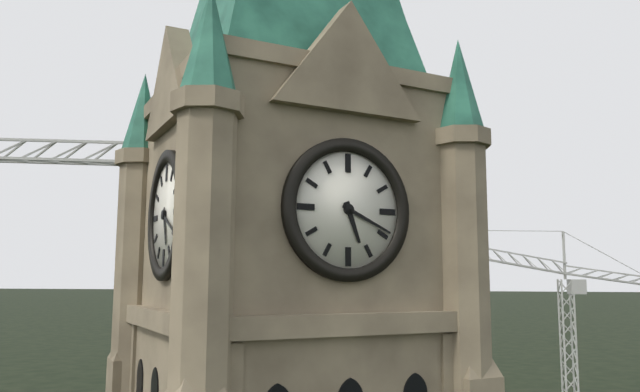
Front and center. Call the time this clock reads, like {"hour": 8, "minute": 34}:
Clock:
{"hour": 5, "minute": 19}
